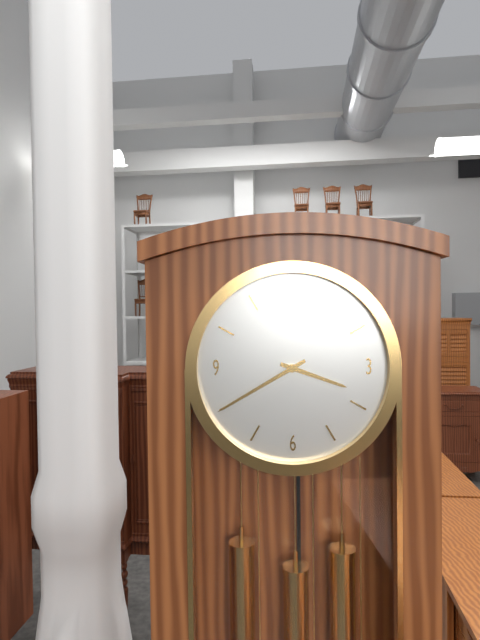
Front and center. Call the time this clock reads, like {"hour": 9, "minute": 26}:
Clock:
{"hour": 3, "minute": 40}
